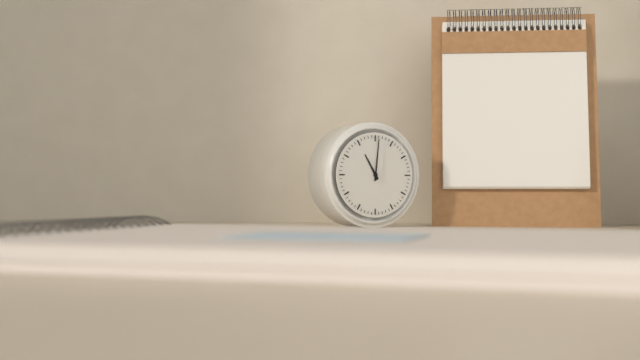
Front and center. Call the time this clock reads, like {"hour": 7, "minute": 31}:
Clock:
{"hour": 11, "minute": 1}
